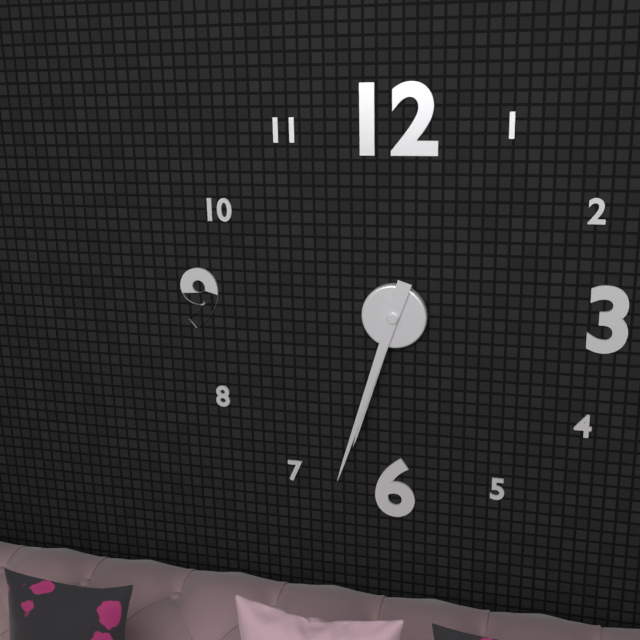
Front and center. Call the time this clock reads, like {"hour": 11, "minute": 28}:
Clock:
{"hour": 6, "minute": 33}
